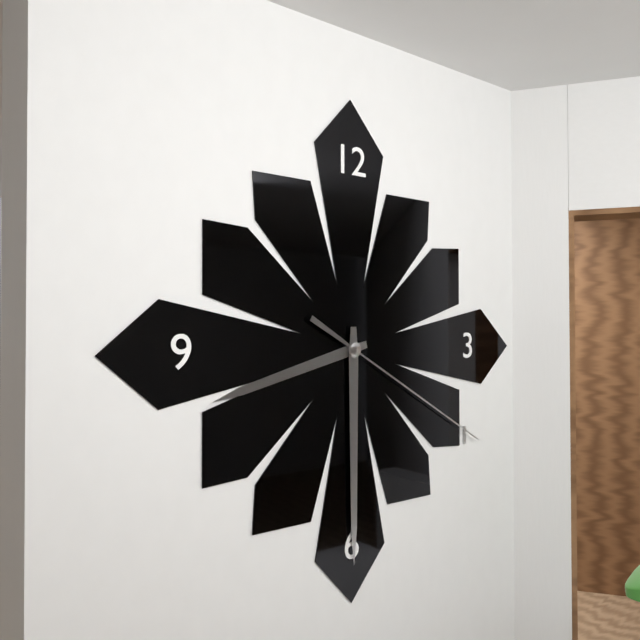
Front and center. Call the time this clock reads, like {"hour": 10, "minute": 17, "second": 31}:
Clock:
{"hour": 8, "minute": 30, "second": 20}
